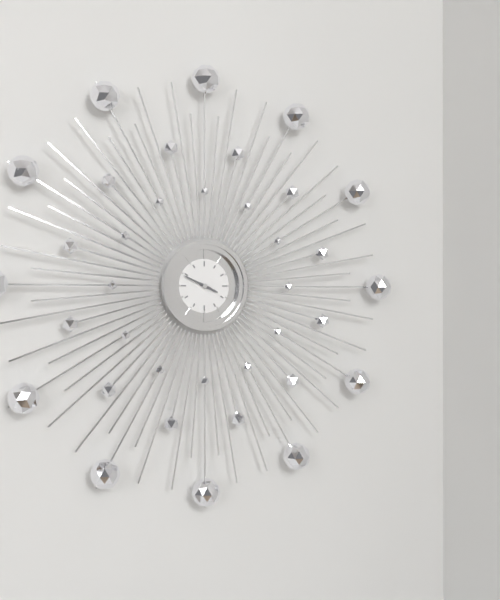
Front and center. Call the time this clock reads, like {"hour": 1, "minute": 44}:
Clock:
{"hour": 3, "minute": 49}
